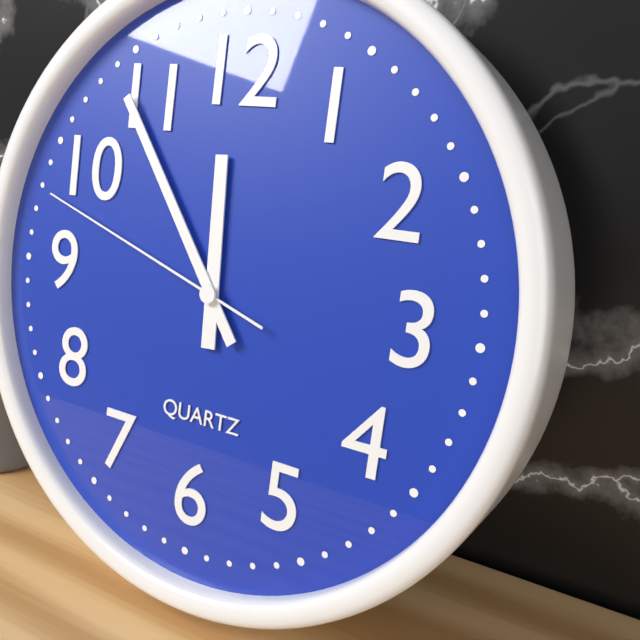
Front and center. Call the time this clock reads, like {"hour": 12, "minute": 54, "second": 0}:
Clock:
{"hour": 11, "minute": 54, "second": 48}
